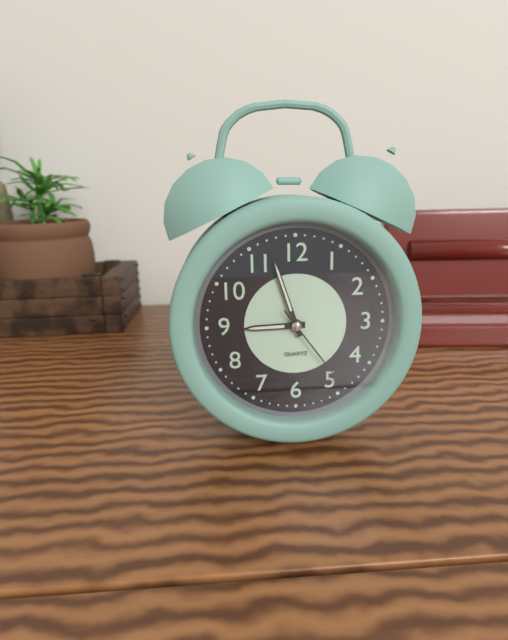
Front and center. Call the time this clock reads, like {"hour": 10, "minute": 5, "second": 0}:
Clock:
{"hour": 8, "minute": 57, "second": 24}
